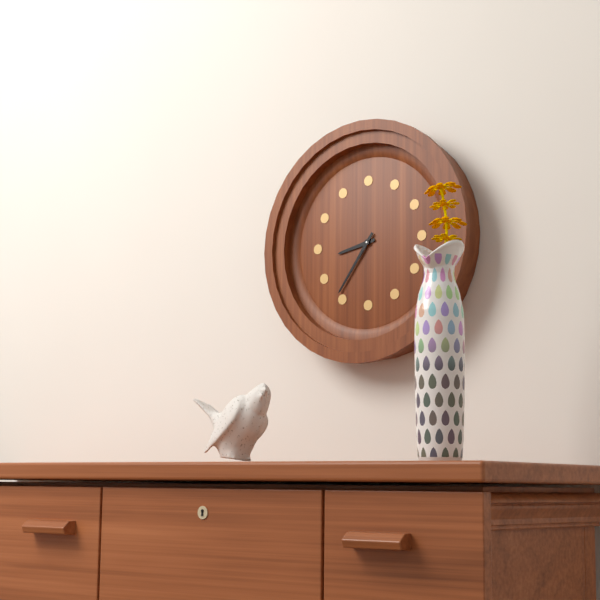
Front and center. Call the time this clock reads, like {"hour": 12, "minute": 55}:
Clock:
{"hour": 8, "minute": 36}
